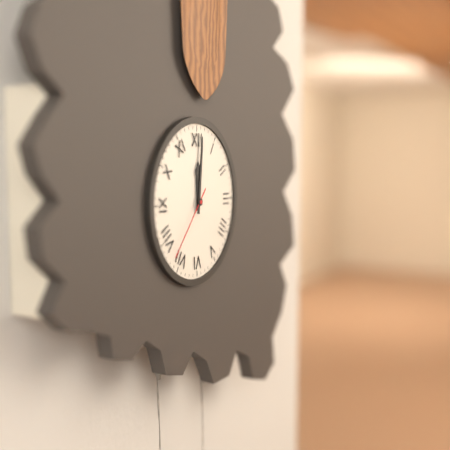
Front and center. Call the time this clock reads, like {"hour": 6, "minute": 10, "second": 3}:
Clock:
{"hour": 12, "minute": 1, "second": 37}
